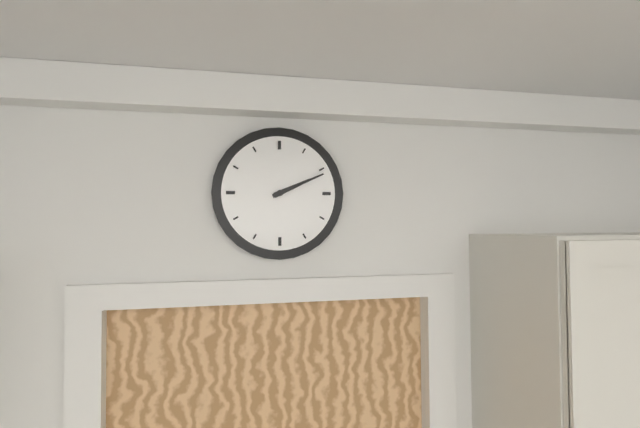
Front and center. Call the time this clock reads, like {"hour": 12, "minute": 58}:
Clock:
{"hour": 2, "minute": 11}
